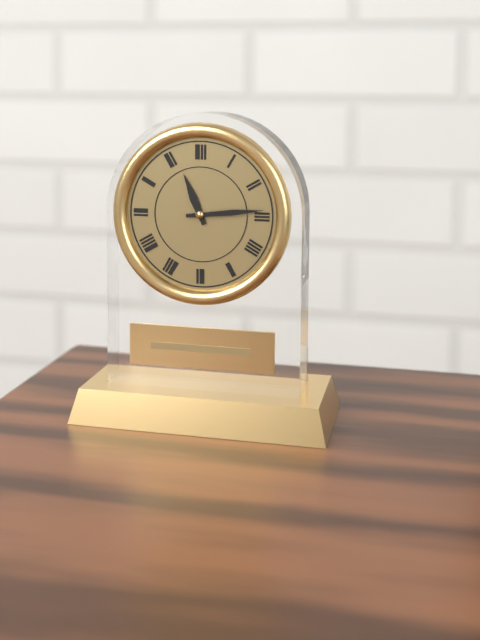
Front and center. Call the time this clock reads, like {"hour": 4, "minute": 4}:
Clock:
{"hour": 11, "minute": 14}
